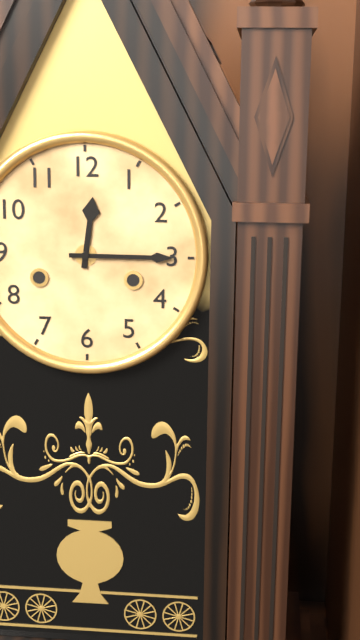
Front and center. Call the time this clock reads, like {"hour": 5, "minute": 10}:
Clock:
{"hour": 12, "minute": 15}
